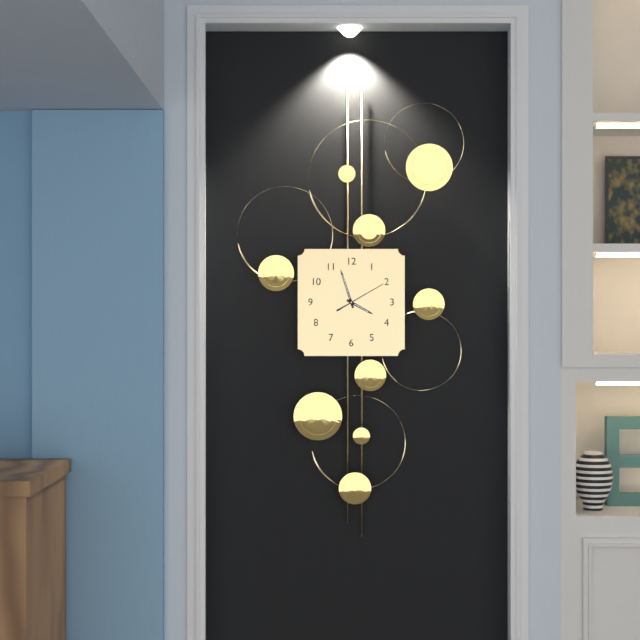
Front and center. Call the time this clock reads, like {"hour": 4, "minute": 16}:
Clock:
{"hour": 3, "minute": 57}
